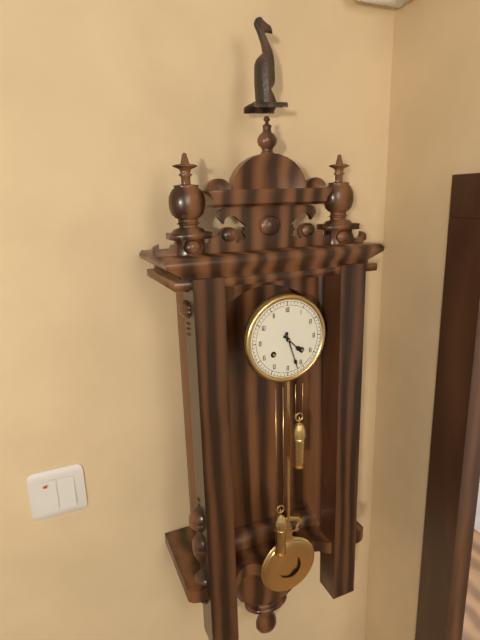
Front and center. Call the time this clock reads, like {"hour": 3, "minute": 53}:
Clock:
{"hour": 4, "minute": 27}
